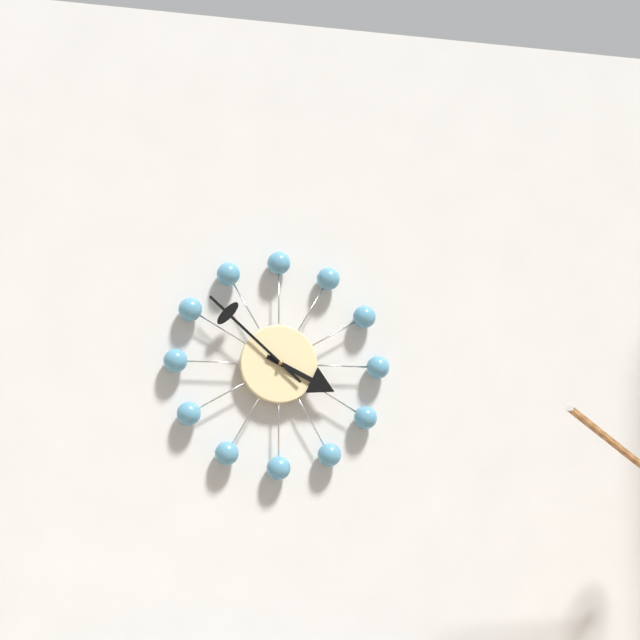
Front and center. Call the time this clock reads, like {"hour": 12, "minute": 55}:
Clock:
{"hour": 3, "minute": 52}
